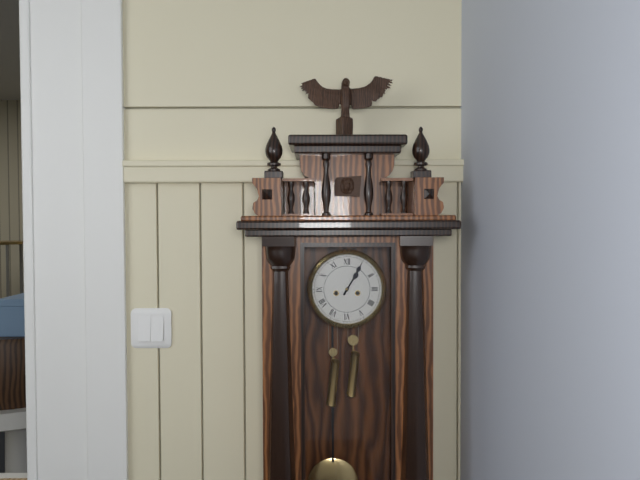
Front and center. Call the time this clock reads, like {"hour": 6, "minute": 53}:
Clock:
{"hour": 1, "minute": 5}
